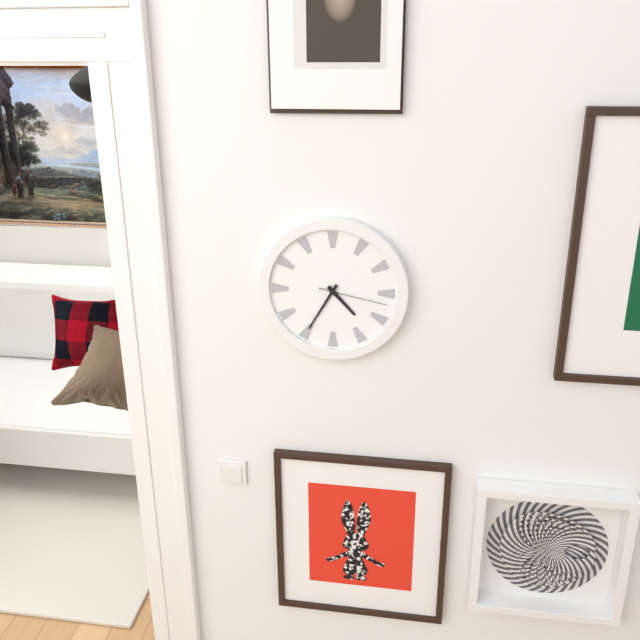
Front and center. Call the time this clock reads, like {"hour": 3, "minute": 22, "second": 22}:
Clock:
{"hour": 4, "minute": 35, "second": 17}
